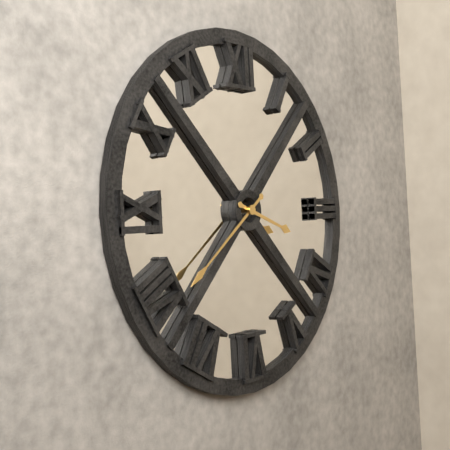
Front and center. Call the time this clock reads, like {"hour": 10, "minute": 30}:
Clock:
{"hour": 3, "minute": 39}
